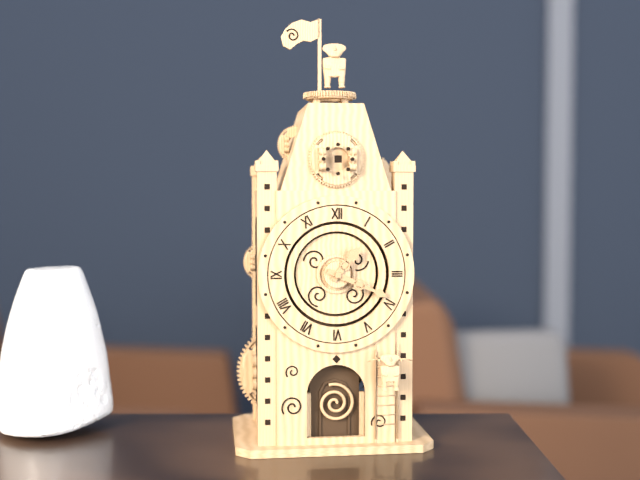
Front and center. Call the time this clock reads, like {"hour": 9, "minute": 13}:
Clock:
{"hour": 1, "minute": 19}
